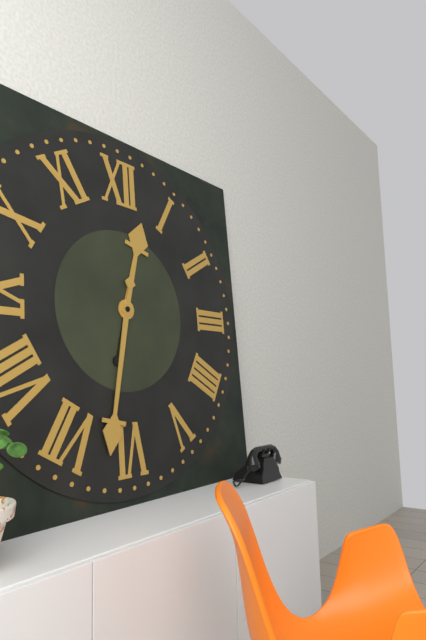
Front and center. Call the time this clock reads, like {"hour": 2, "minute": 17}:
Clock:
{"hour": 12, "minute": 32}
